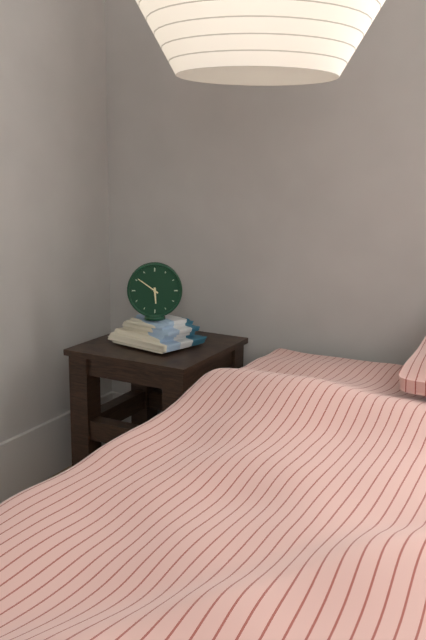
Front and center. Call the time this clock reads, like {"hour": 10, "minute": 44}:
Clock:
{"hour": 5, "minute": 51}
